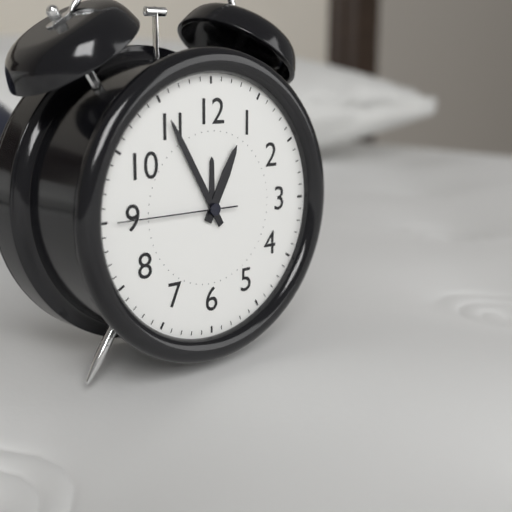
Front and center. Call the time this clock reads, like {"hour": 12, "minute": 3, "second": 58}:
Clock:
{"hour": 12, "minute": 55, "second": 45}
